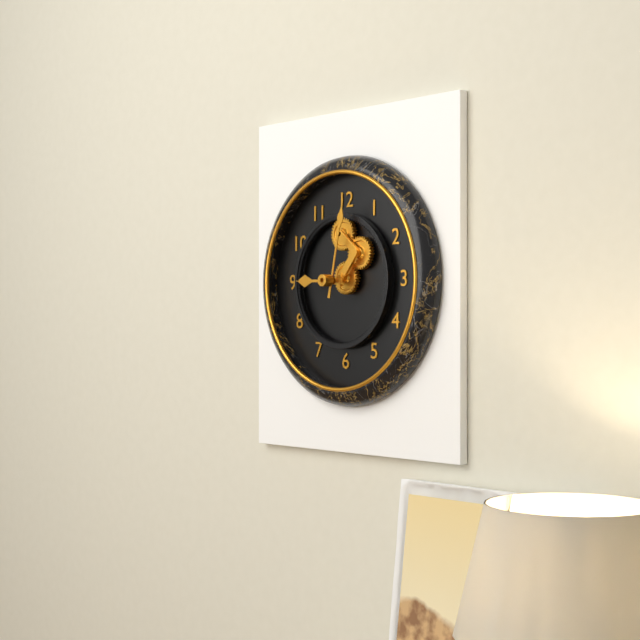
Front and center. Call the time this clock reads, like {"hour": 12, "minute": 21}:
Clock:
{"hour": 9, "minute": 2}
